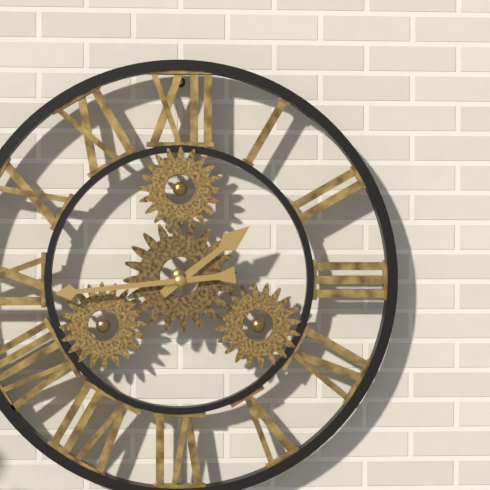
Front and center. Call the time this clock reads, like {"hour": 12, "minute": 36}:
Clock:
{"hour": 1, "minute": 44}
